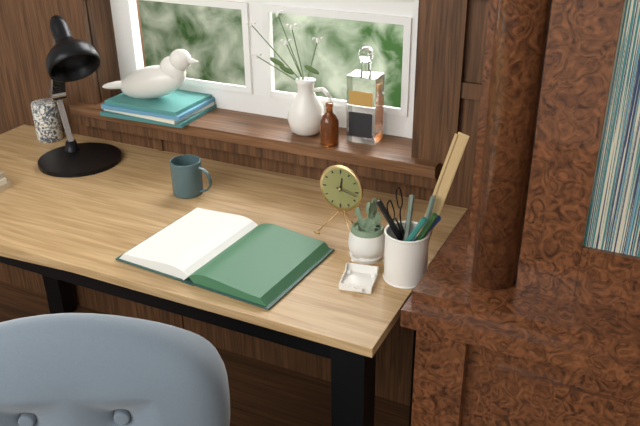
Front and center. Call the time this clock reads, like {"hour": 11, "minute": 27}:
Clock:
{"hour": 12, "minute": 17}
